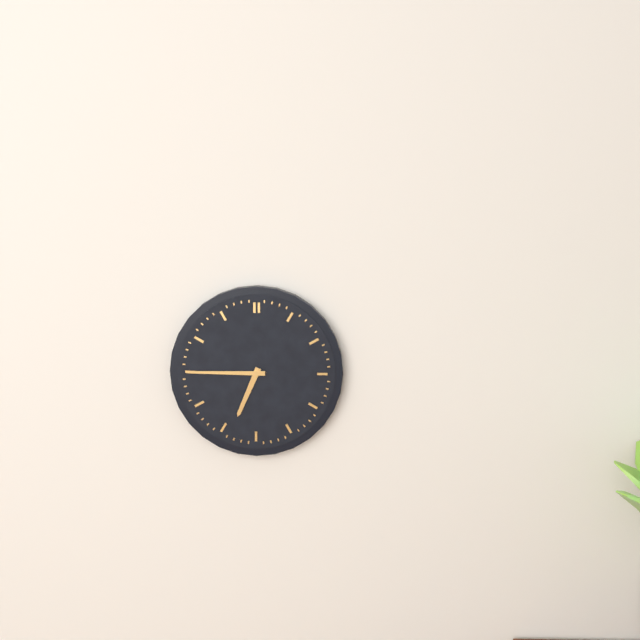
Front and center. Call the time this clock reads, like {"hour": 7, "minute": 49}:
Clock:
{"hour": 6, "minute": 45}
